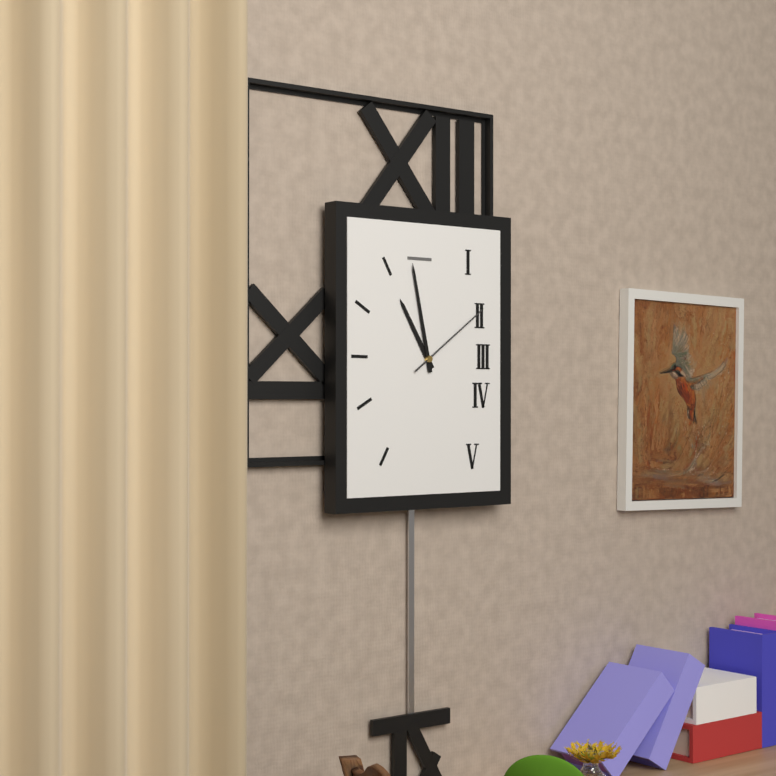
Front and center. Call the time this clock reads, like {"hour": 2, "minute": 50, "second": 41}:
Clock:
{"hour": 10, "minute": 58, "second": 9}
